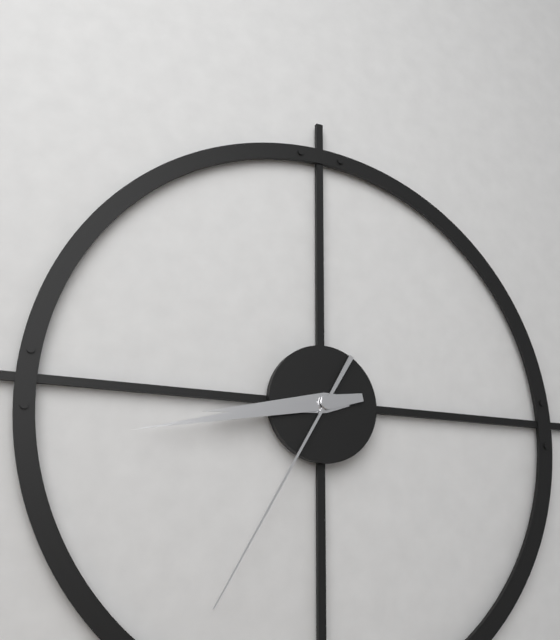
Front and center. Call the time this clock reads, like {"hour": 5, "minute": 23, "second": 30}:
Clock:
{"hour": 8, "minute": 43, "second": 35}
